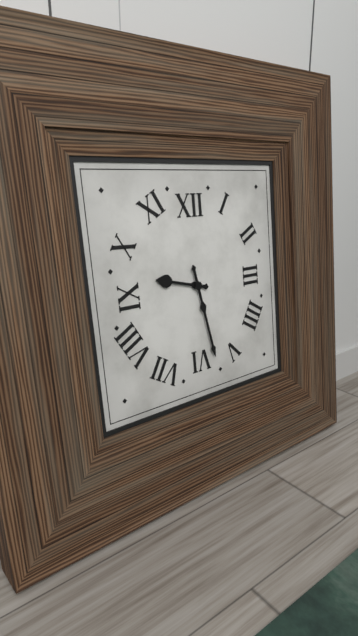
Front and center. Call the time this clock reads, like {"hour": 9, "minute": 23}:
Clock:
{"hour": 9, "minute": 28}
